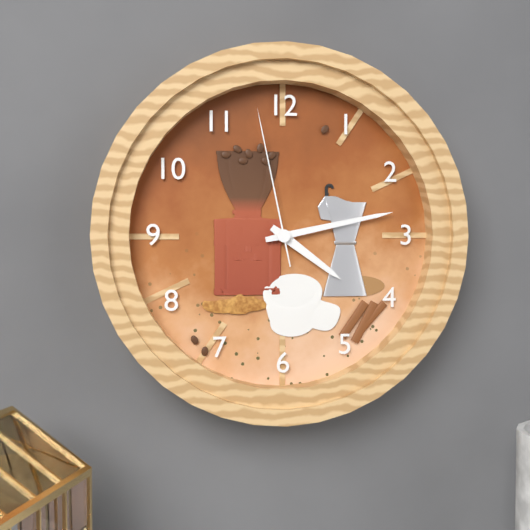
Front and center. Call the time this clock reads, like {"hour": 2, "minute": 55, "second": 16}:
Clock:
{"hour": 4, "minute": 13, "second": 58}
